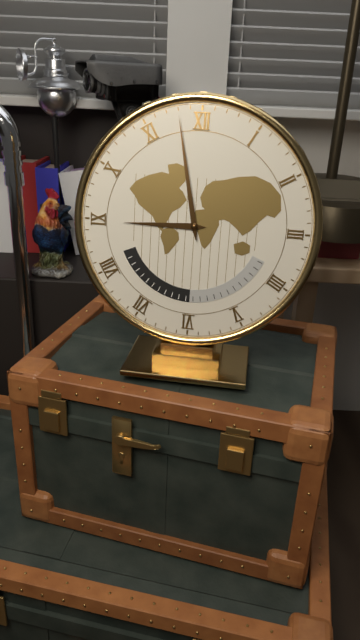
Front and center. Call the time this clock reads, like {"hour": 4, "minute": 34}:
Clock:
{"hour": 8, "minute": 58}
